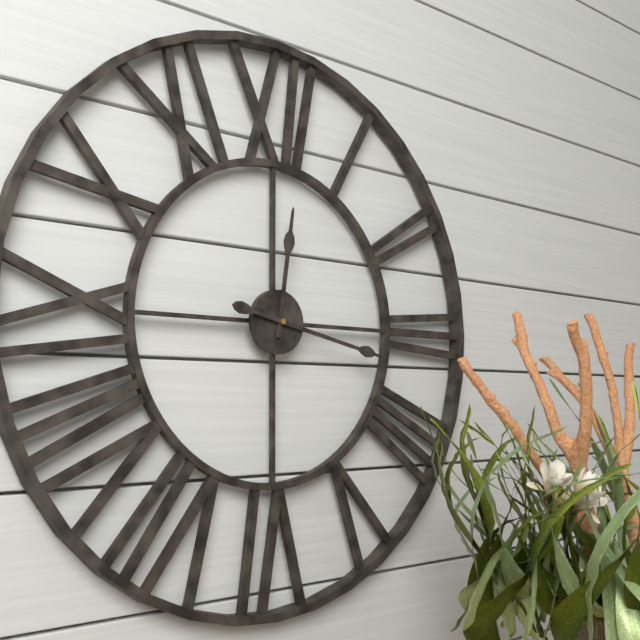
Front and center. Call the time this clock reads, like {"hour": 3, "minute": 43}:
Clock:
{"hour": 12, "minute": 17}
